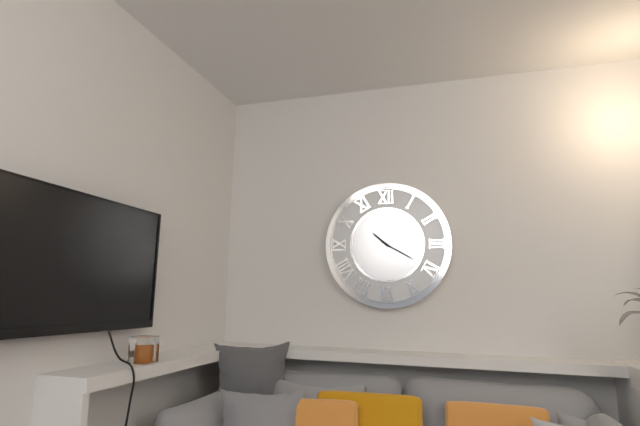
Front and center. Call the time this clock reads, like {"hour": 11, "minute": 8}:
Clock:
{"hour": 10, "minute": 20}
